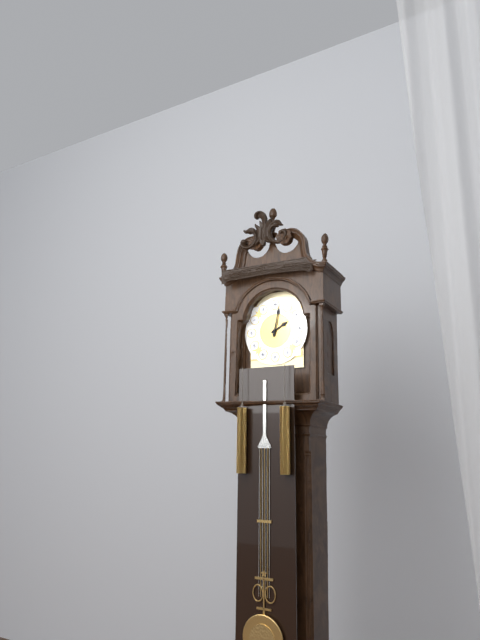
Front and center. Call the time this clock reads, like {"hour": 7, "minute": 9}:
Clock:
{"hour": 2, "minute": 2}
